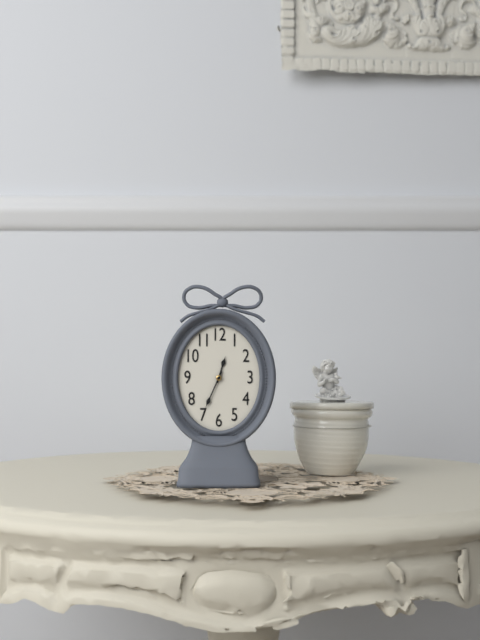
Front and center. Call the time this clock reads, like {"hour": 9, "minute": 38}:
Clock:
{"hour": 12, "minute": 34}
